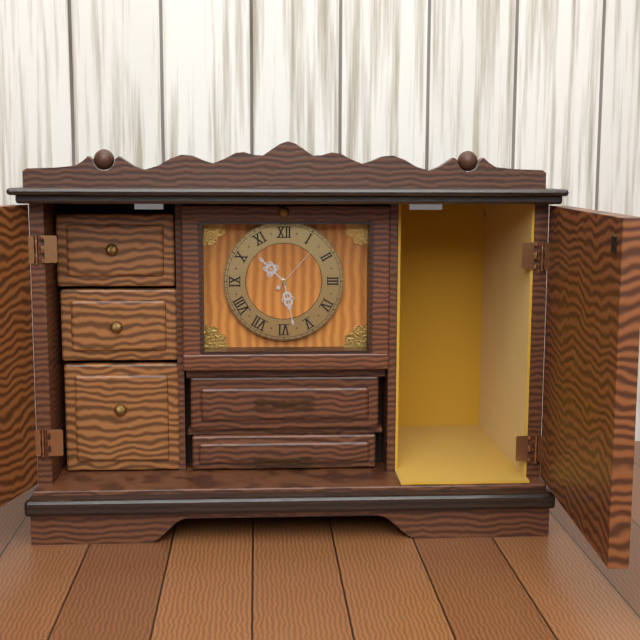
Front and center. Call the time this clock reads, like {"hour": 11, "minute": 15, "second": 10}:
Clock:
{"hour": 10, "minute": 28, "second": 7}
